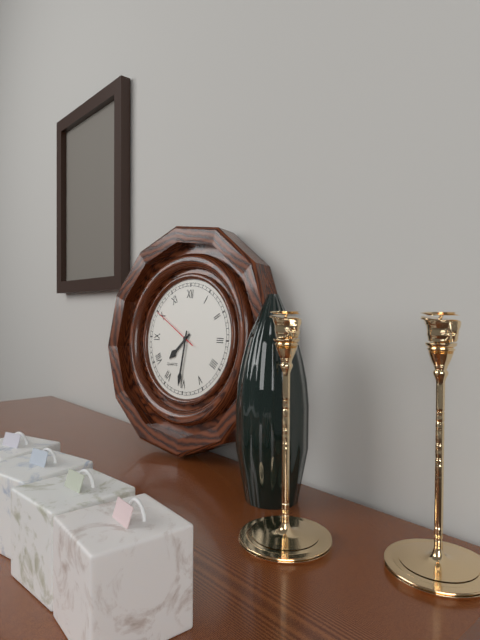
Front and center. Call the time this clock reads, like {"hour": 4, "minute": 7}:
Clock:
{"hour": 7, "minute": 31}
